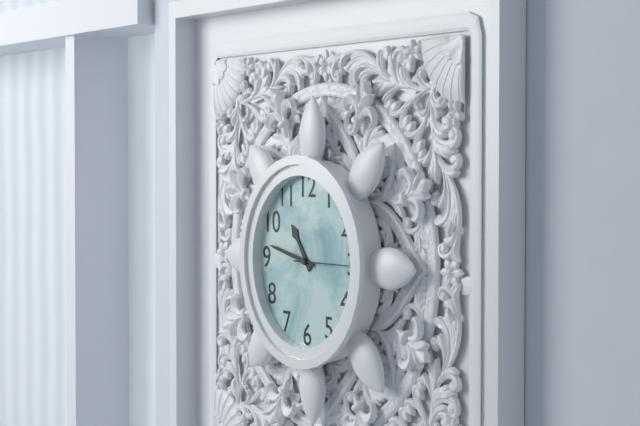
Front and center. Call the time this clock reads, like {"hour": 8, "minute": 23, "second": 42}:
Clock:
{"hour": 10, "minute": 47, "second": 15}
